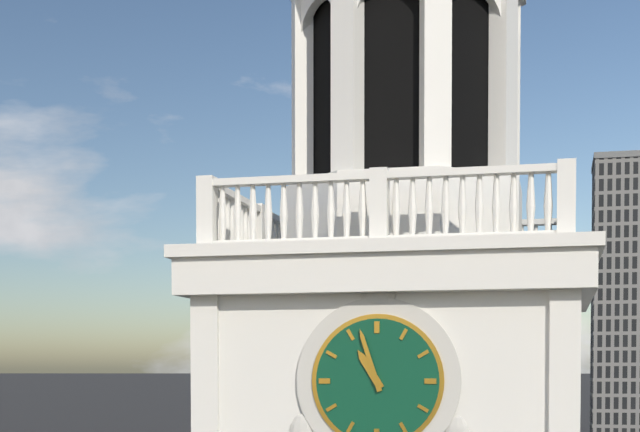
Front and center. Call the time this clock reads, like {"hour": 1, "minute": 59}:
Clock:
{"hour": 10, "minute": 57}
